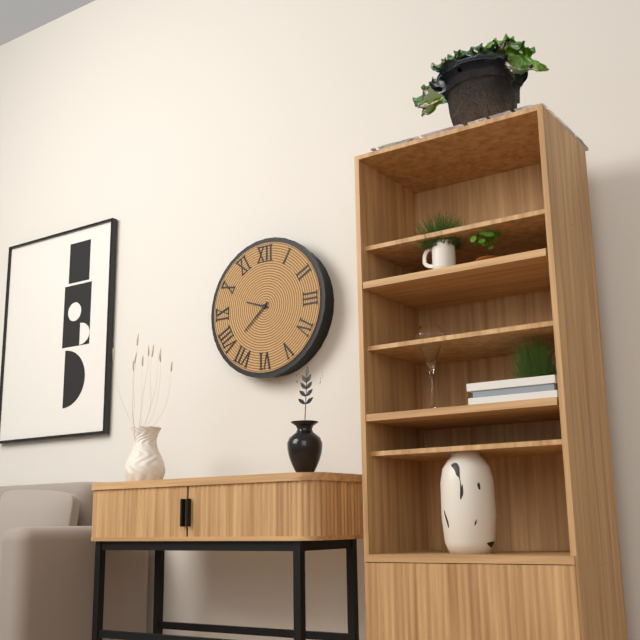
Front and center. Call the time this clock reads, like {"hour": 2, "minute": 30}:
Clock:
{"hour": 9, "minute": 38}
